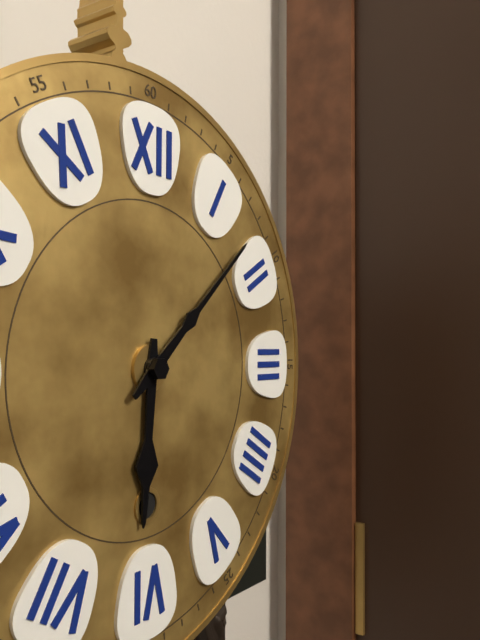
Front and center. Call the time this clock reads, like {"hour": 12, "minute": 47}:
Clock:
{"hour": 6, "minute": 8}
